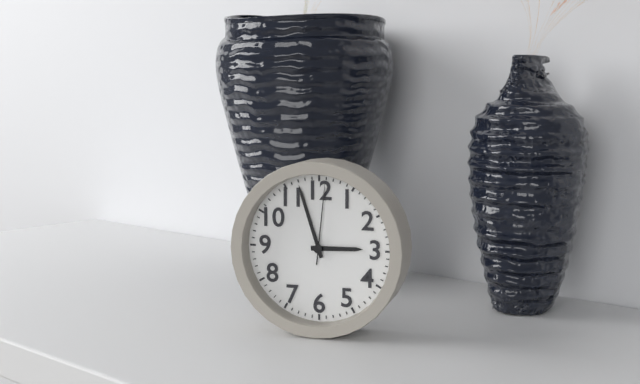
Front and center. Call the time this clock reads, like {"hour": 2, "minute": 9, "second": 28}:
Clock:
{"hour": 2, "minute": 57, "second": 1}
